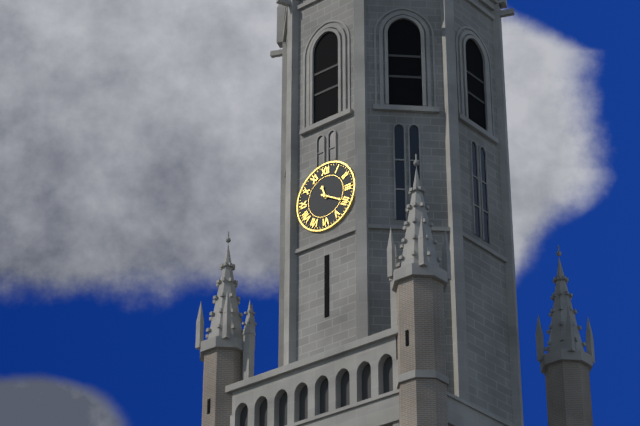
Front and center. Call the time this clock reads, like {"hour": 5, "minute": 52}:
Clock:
{"hour": 11, "minute": 20}
